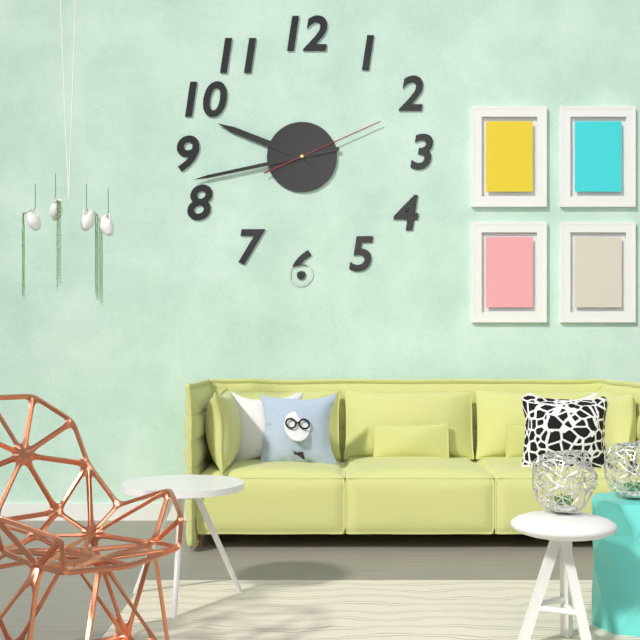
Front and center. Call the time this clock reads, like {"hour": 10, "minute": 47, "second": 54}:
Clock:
{"hour": 9, "minute": 43, "second": 11}
